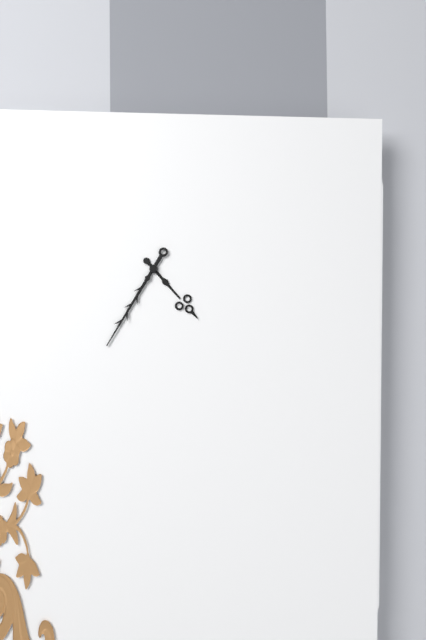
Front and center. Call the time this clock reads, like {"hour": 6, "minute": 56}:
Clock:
{"hour": 4, "minute": 35}
